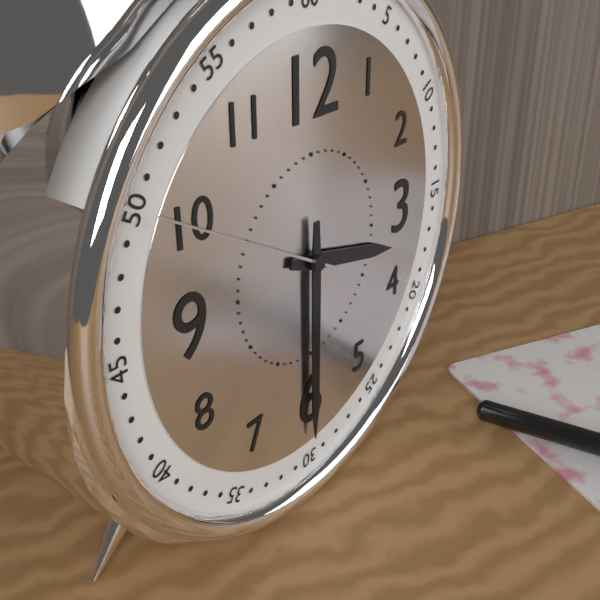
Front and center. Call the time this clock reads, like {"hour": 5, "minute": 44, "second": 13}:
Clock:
{"hour": 3, "minute": 30, "second": 50}
